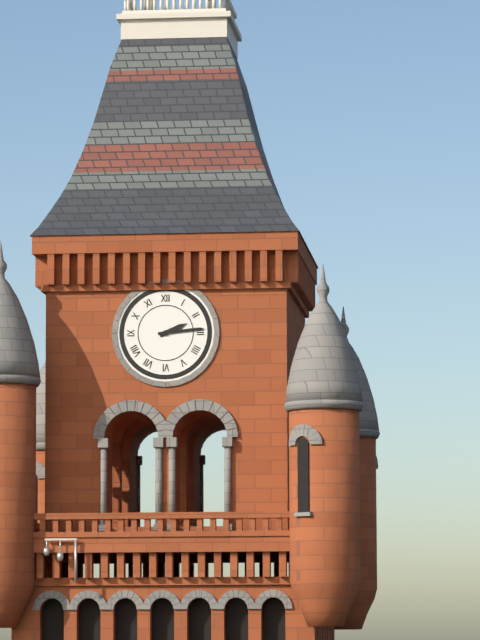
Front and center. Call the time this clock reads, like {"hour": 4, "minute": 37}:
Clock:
{"hour": 2, "minute": 14}
